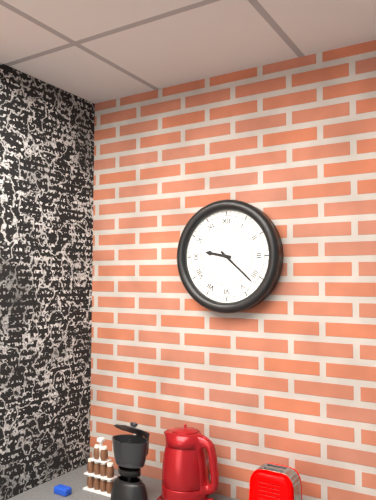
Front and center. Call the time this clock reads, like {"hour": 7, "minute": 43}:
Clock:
{"hour": 9, "minute": 22}
